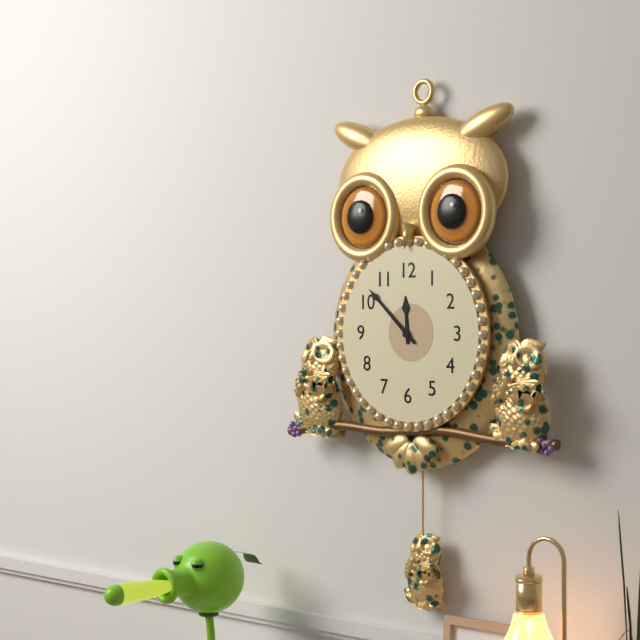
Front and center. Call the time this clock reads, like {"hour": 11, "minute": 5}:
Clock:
{"hour": 11, "minute": 52}
